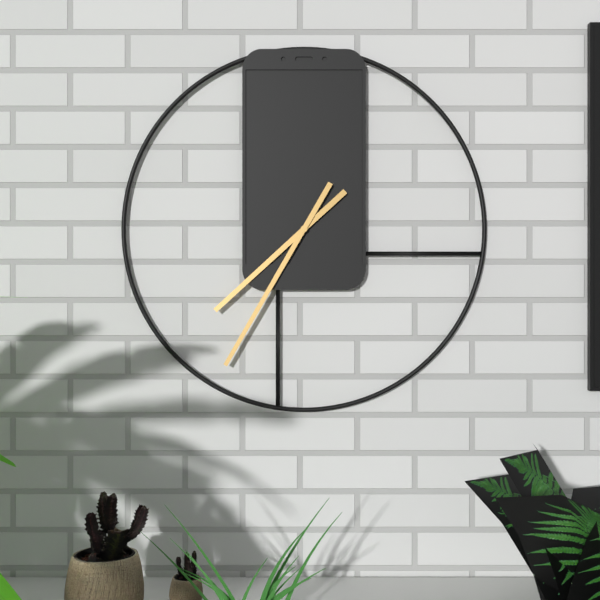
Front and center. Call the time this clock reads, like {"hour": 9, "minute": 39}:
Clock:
{"hour": 7, "minute": 35}
